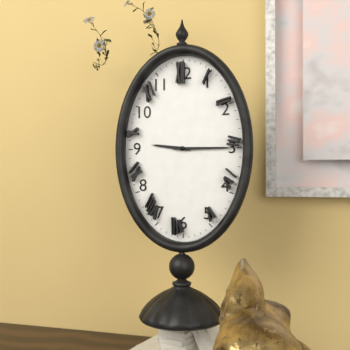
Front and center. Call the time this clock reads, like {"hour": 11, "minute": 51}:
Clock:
{"hour": 9, "minute": 15}
